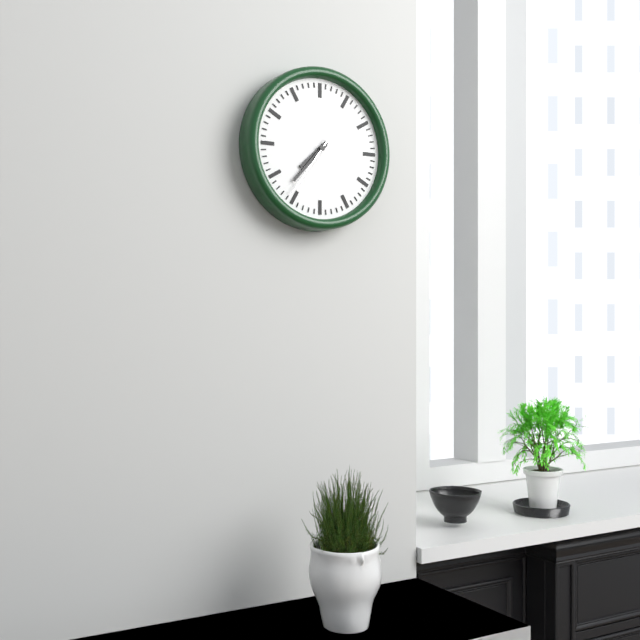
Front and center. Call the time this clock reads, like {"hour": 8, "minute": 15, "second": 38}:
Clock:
{"hour": 7, "minute": 37, "second": 36}
